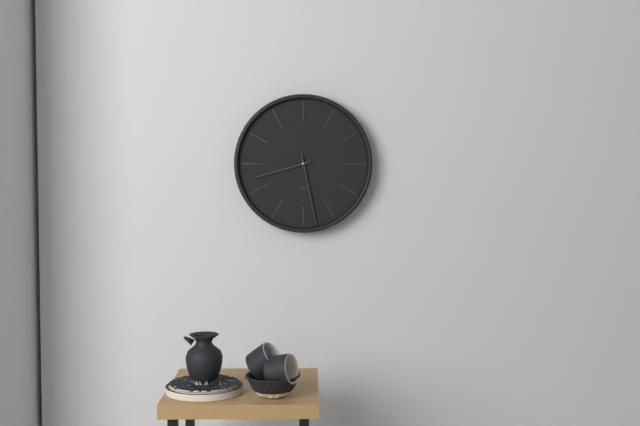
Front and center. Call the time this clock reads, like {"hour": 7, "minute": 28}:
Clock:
{"hour": 8, "minute": 28}
